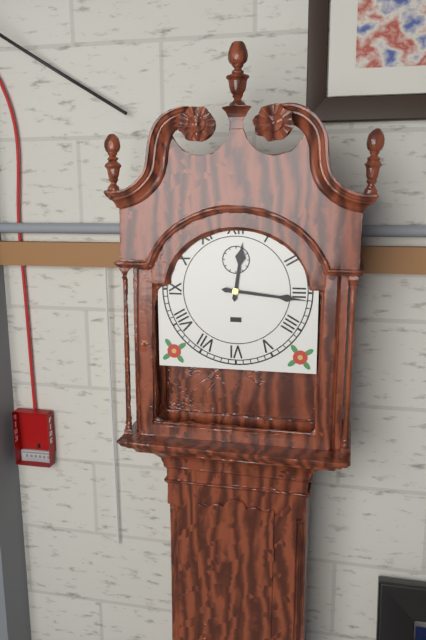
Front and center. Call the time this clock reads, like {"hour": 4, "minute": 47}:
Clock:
{"hour": 12, "minute": 16}
